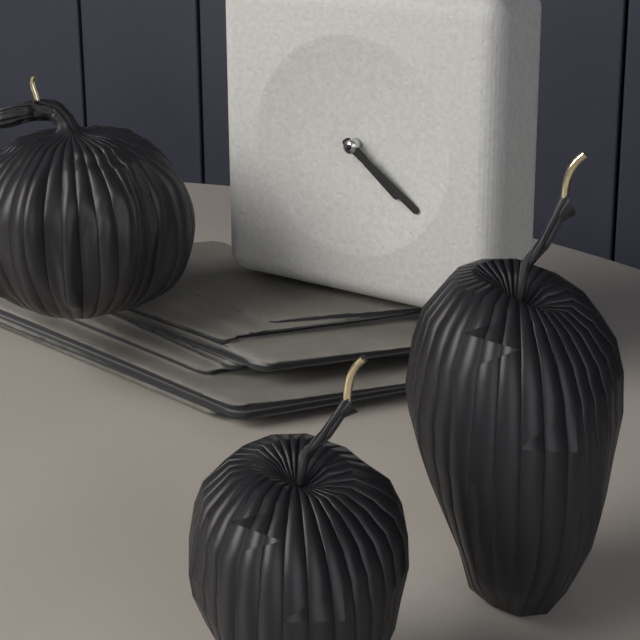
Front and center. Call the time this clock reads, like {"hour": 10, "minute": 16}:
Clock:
{"hour": 4, "minute": 21}
